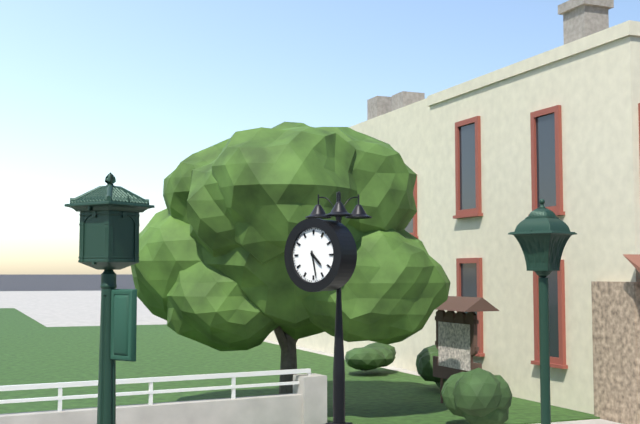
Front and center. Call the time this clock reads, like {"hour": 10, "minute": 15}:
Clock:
{"hour": 4, "minute": 28}
